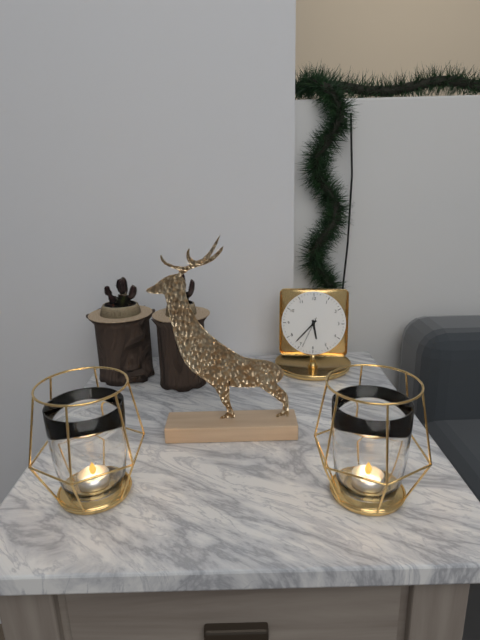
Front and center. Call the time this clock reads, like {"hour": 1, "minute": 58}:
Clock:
{"hour": 5, "minute": 37}
